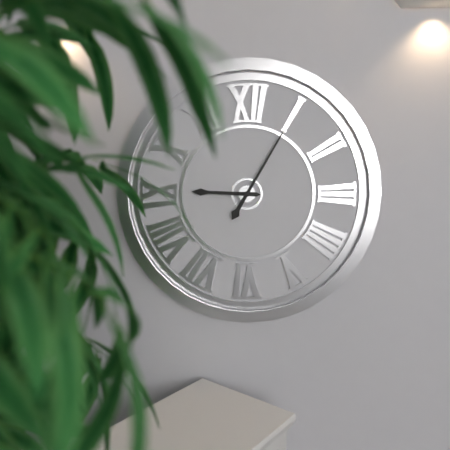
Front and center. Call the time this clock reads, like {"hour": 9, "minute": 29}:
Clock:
{"hour": 9, "minute": 5}
